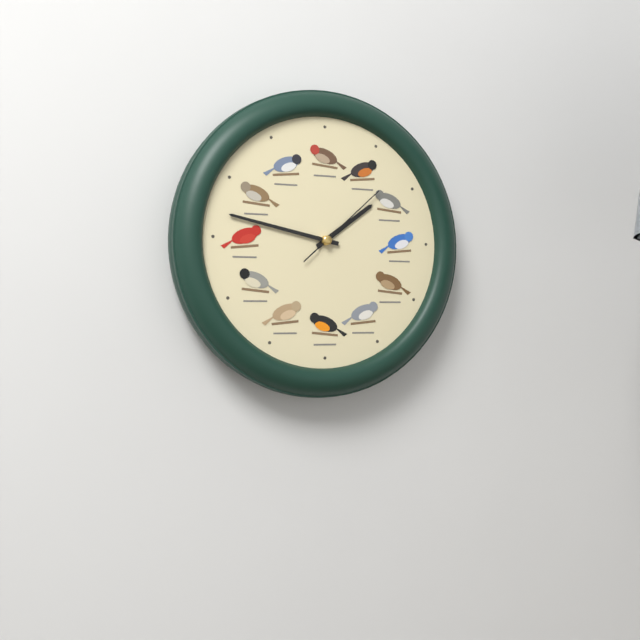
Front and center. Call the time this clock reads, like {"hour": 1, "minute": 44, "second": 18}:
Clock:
{"hour": 1, "minute": 47, "second": 8}
